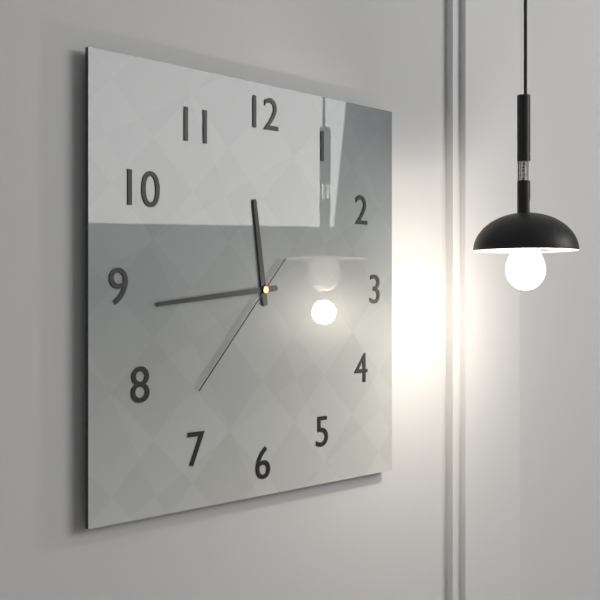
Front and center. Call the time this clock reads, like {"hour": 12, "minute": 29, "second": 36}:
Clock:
{"hour": 11, "minute": 44, "second": 37}
